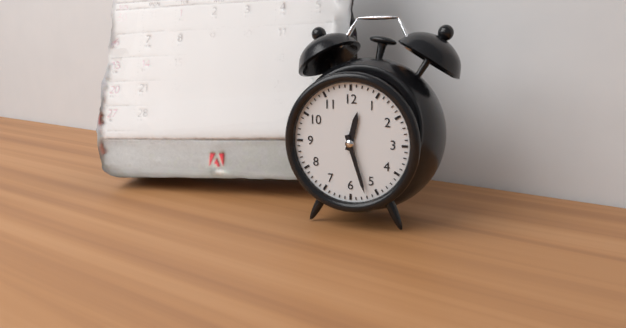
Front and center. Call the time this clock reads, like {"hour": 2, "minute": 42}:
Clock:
{"hour": 12, "minute": 27}
